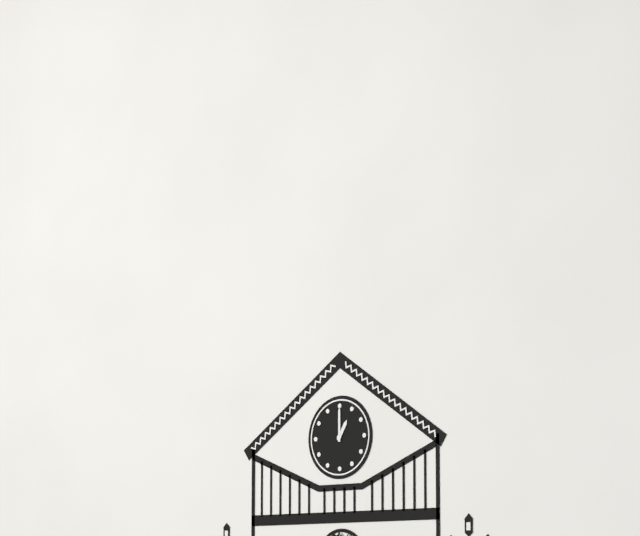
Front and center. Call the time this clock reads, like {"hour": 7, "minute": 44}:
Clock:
{"hour": 1, "minute": 0}
